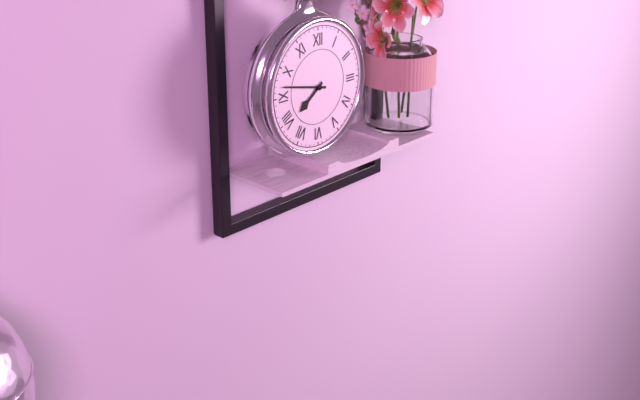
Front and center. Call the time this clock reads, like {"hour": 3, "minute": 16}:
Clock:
{"hour": 7, "minute": 47}
